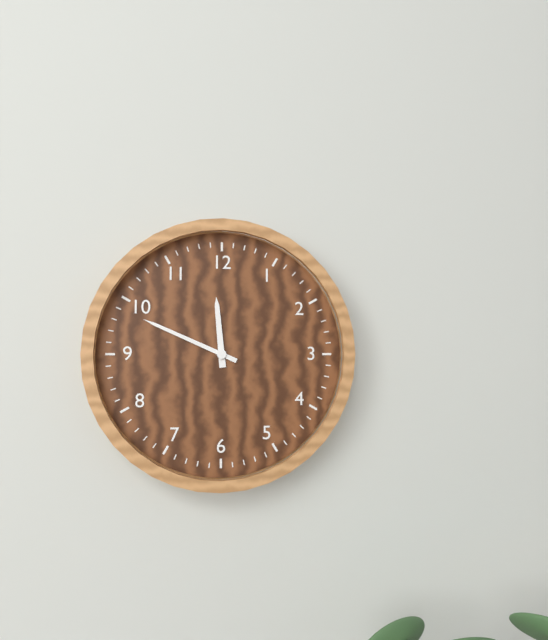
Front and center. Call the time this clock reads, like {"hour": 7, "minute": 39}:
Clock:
{"hour": 11, "minute": 49}
